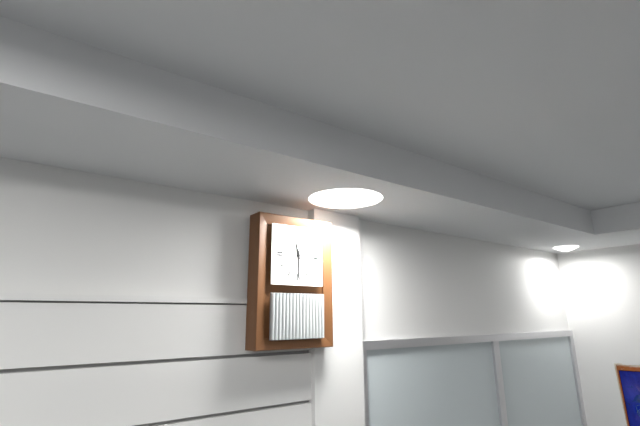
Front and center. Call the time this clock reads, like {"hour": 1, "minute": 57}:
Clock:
{"hour": 11, "minute": 30}
